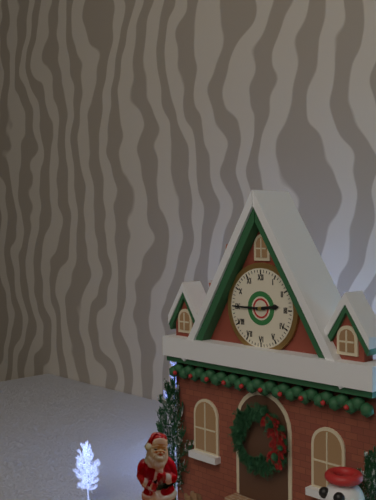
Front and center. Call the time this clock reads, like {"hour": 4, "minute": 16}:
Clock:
{"hour": 2, "minute": 45}
